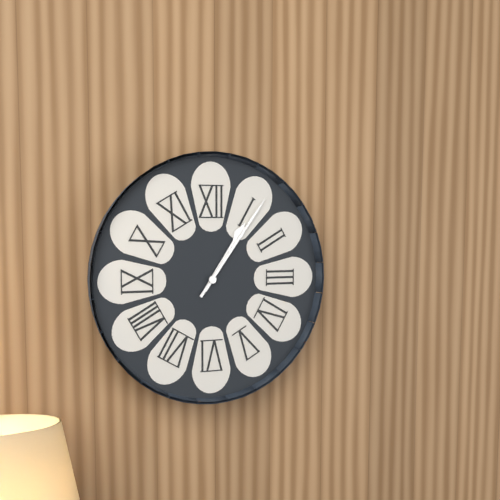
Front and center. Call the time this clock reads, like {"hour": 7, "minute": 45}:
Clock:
{"hour": 1, "minute": 6}
